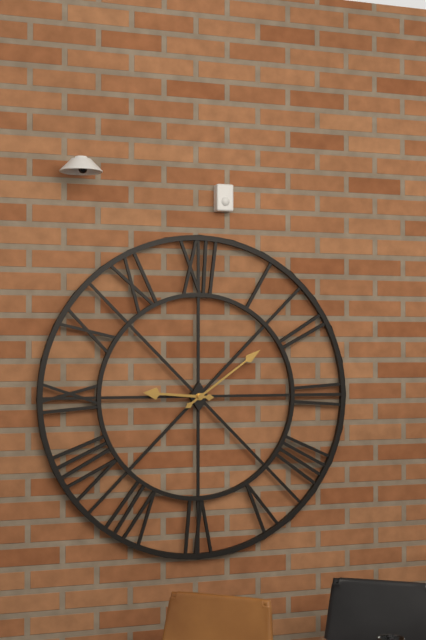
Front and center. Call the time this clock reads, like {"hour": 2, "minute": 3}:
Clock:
{"hour": 9, "minute": 9}
